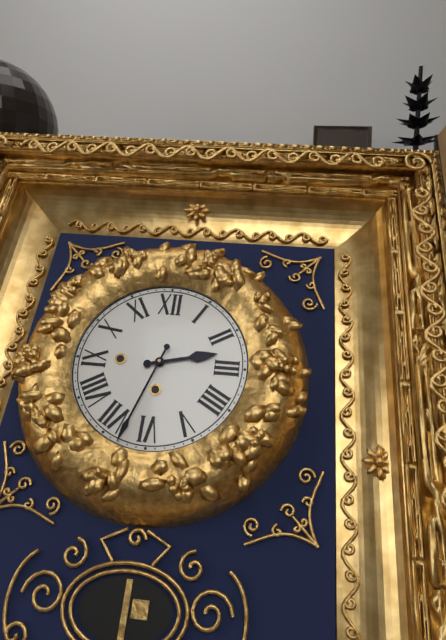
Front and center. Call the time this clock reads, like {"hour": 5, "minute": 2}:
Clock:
{"hour": 2, "minute": 33}
